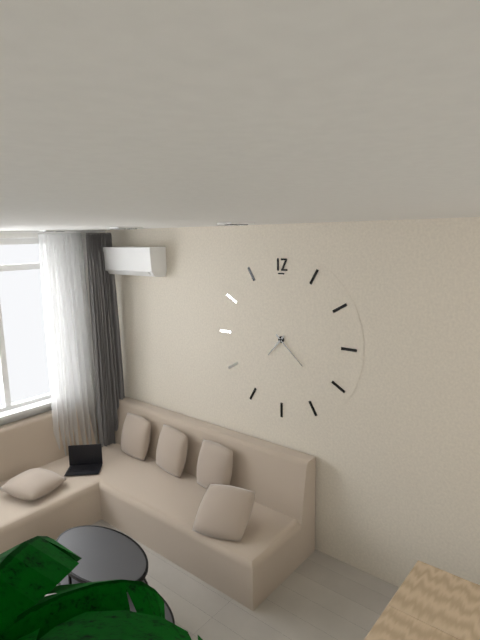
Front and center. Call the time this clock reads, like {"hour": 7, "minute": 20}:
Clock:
{"hour": 7, "minute": 22}
